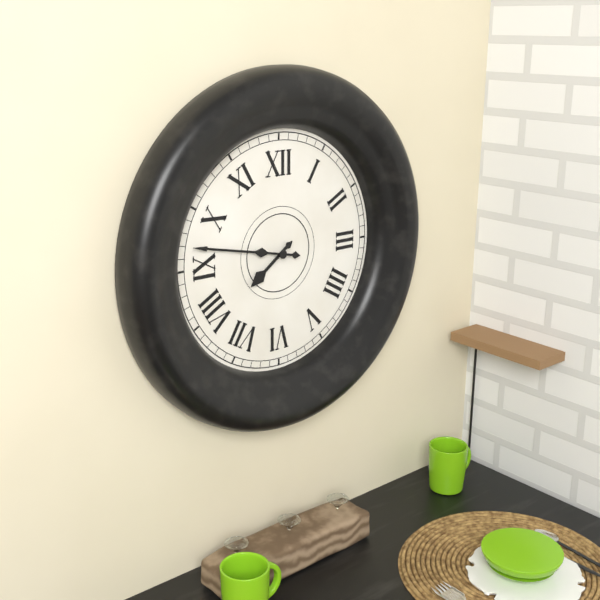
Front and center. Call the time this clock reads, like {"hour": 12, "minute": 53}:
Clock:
{"hour": 7, "minute": 47}
